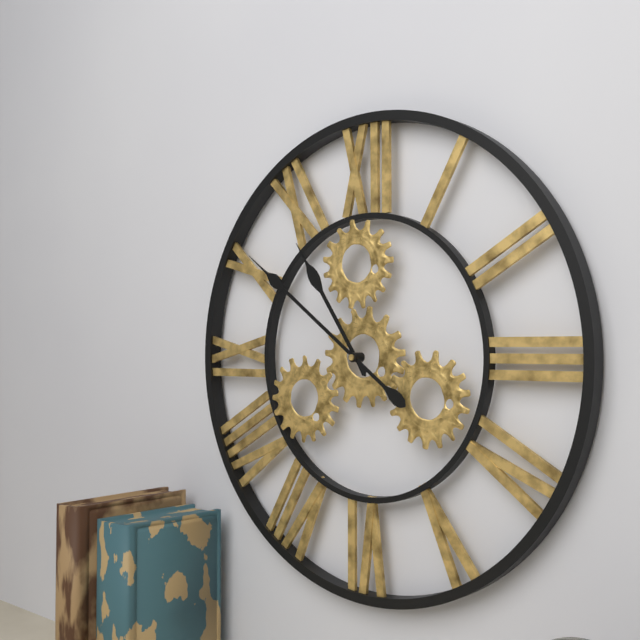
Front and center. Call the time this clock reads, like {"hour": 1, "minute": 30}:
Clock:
{"hour": 10, "minute": 51}
